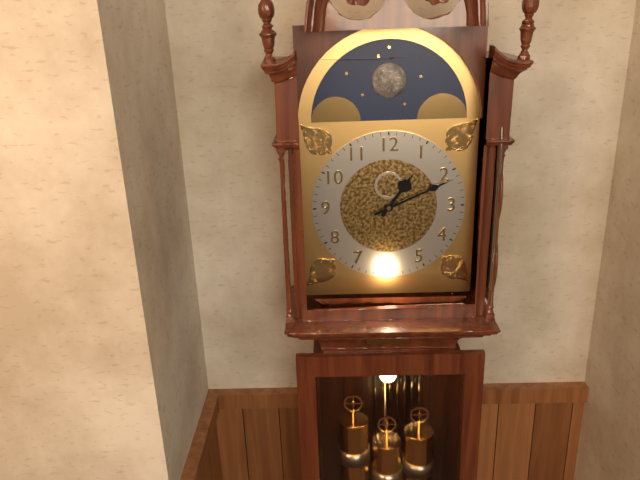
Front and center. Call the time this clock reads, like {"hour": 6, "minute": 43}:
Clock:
{"hour": 1, "minute": 11}
